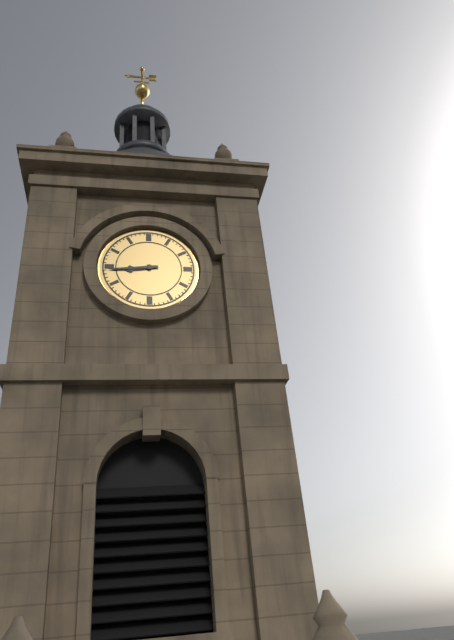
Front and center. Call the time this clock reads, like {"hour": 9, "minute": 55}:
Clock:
{"hour": 8, "minute": 44}
